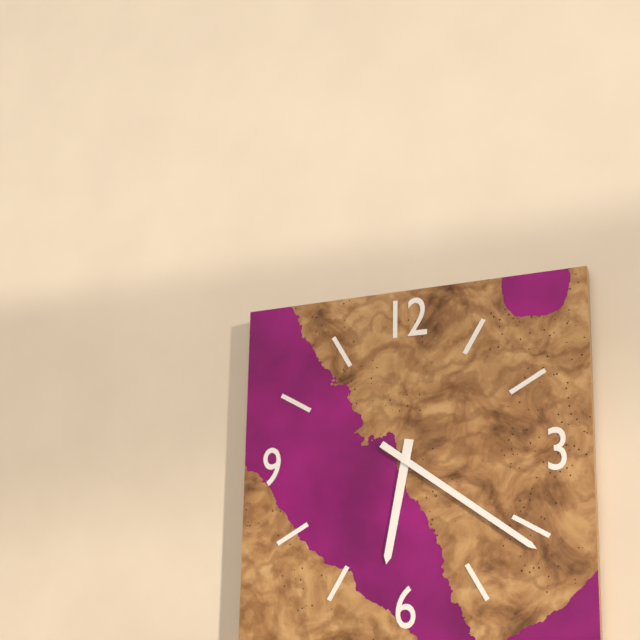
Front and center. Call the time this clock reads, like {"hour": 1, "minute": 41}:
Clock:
{"hour": 6, "minute": 21}
